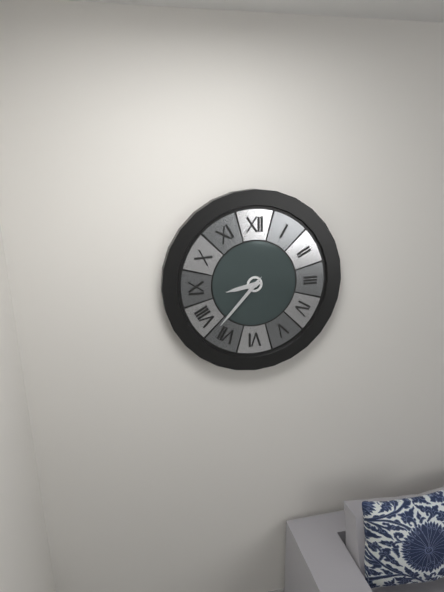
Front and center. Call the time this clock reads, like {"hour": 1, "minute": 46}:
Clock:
{"hour": 8, "minute": 37}
